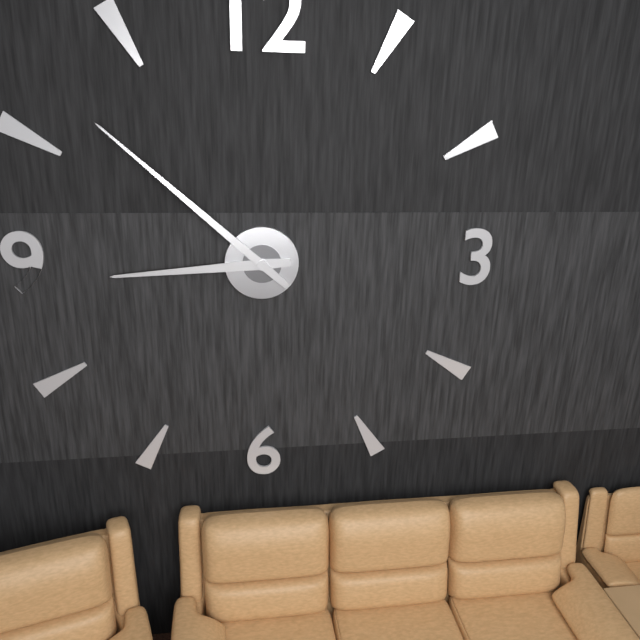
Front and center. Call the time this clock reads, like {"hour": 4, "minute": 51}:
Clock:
{"hour": 8, "minute": 52}
